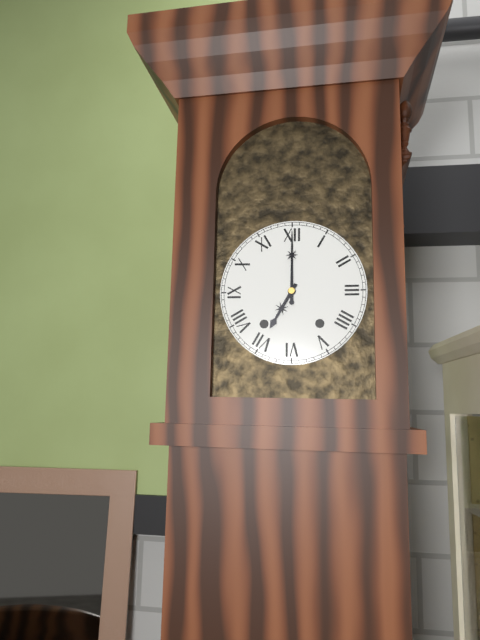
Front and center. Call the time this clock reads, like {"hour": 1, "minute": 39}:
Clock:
{"hour": 7, "minute": 0}
